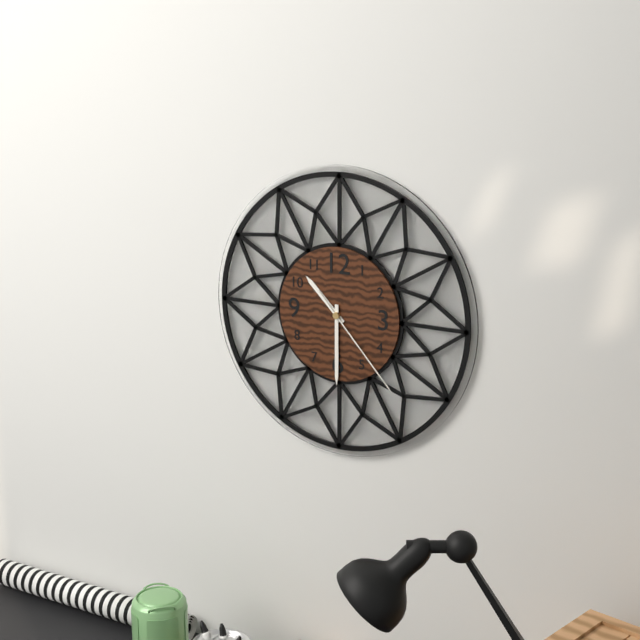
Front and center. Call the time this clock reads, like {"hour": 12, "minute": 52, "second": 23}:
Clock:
{"hour": 10, "minute": 30, "second": 23}
